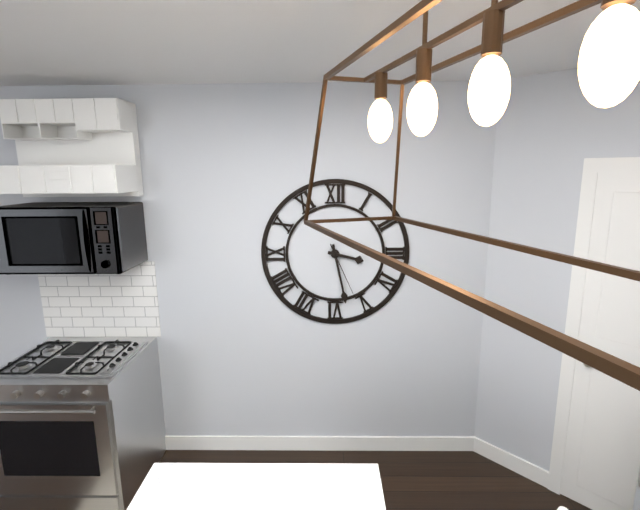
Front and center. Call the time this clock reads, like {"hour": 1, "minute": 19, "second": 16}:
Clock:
{"hour": 3, "minute": 28, "second": 26}
